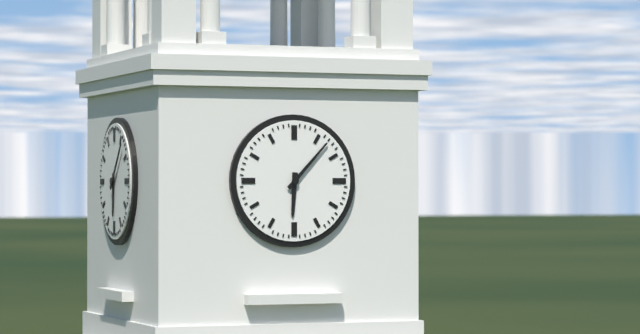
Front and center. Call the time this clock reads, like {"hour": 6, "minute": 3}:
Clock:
{"hour": 6, "minute": 7}
